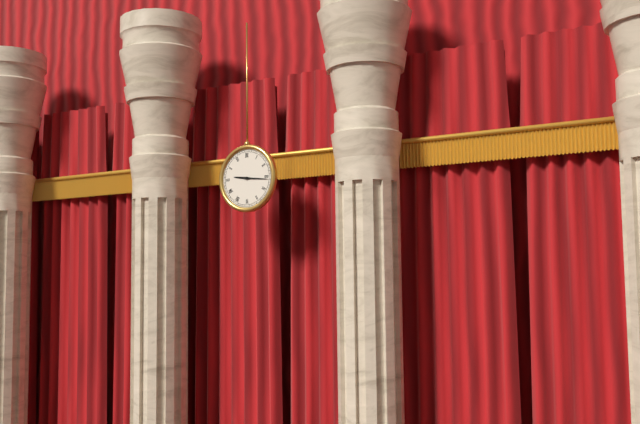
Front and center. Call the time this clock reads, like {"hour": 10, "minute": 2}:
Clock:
{"hour": 9, "minute": 16}
